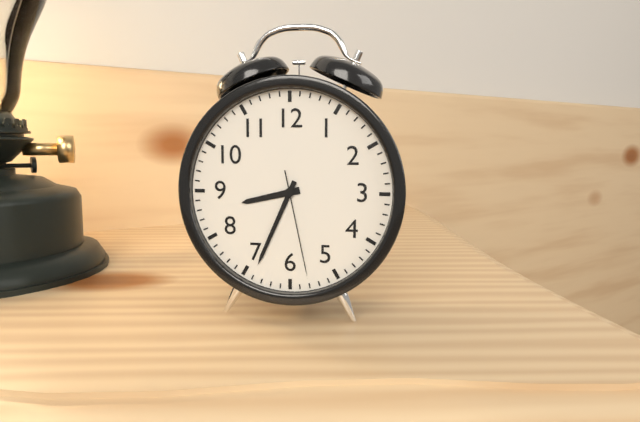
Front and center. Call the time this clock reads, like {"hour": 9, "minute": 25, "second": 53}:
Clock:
{"hour": 8, "minute": 34, "second": 28}
